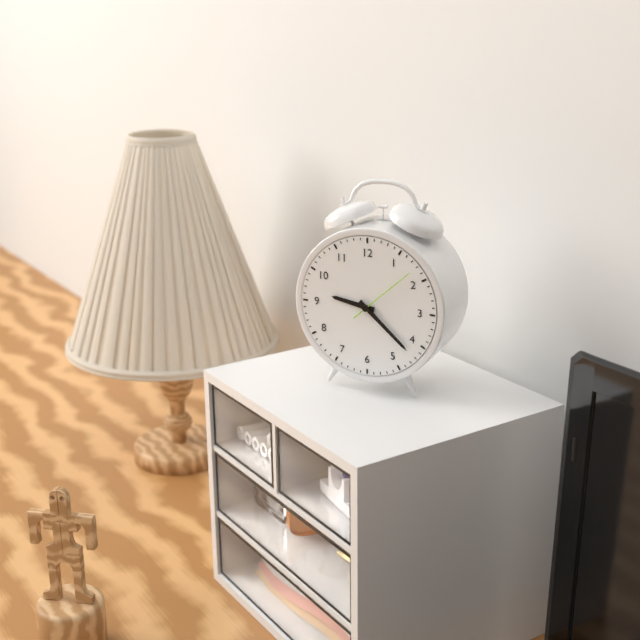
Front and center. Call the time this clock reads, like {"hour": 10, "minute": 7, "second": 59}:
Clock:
{"hour": 9, "minute": 22, "second": 8}
